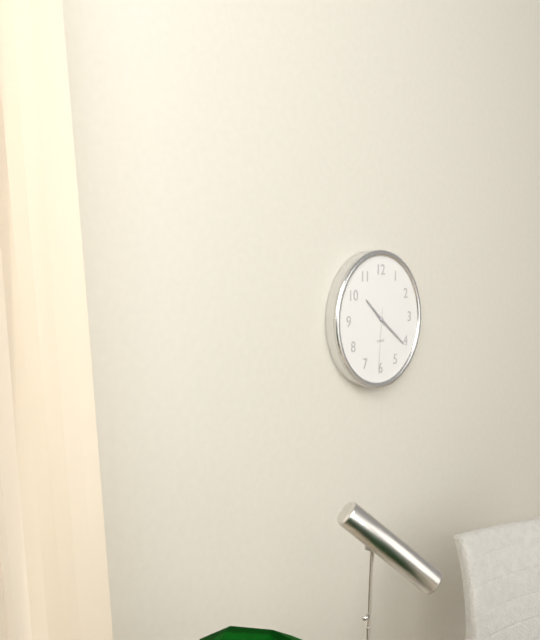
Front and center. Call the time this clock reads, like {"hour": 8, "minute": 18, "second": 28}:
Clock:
{"hour": 10, "minute": 21, "second": 31}
